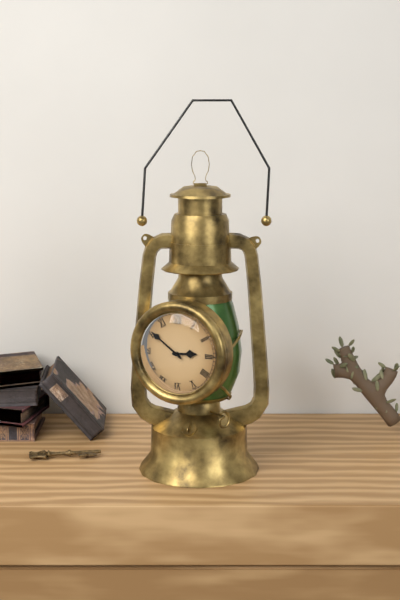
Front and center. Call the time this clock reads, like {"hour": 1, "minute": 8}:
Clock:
{"hour": 2, "minute": 51}
